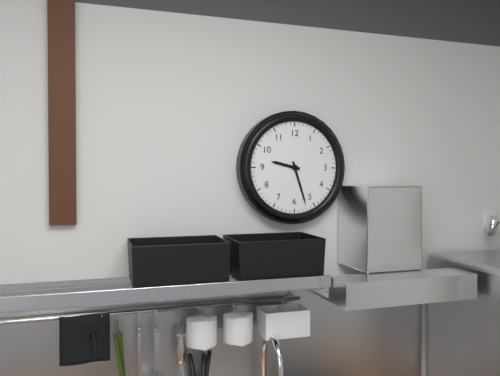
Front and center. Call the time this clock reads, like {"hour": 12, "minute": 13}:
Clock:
{"hour": 9, "minute": 27}
